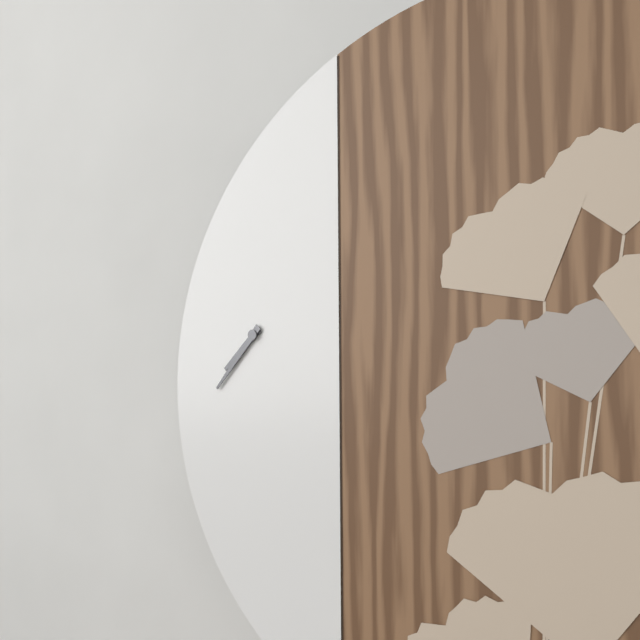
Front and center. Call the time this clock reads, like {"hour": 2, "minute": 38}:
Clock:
{"hour": 7, "minute": 37}
